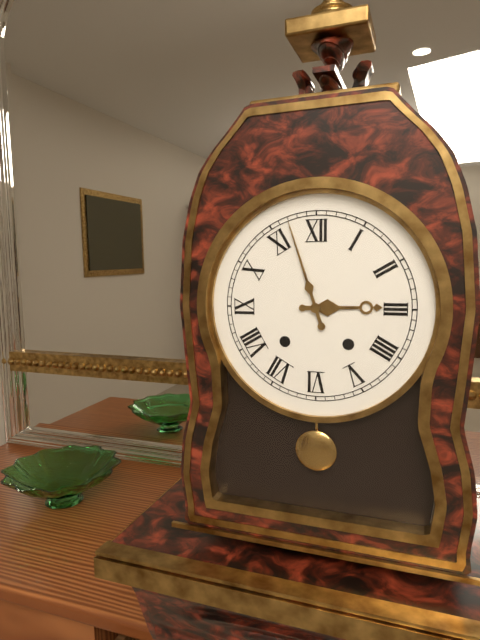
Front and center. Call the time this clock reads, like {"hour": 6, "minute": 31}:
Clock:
{"hour": 2, "minute": 57}
